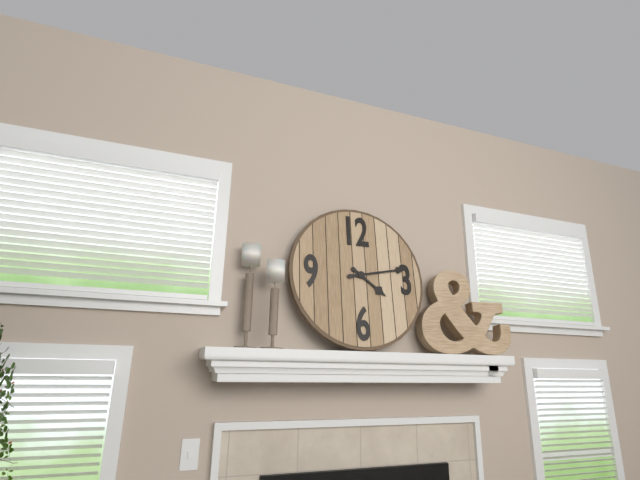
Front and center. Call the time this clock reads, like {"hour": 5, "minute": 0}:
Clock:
{"hour": 4, "minute": 13}
